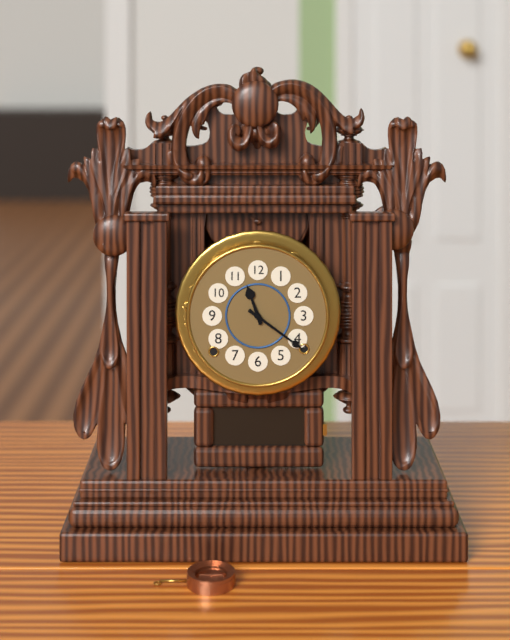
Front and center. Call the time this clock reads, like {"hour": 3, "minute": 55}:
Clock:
{"hour": 11, "minute": 21}
